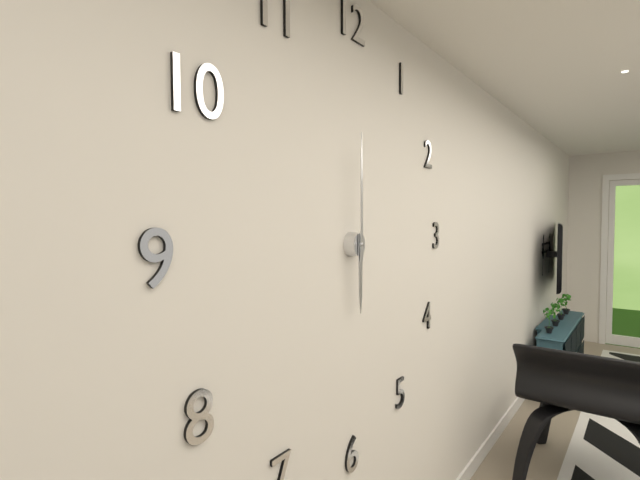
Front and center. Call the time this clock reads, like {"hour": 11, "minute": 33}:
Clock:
{"hour": 6, "minute": 0}
